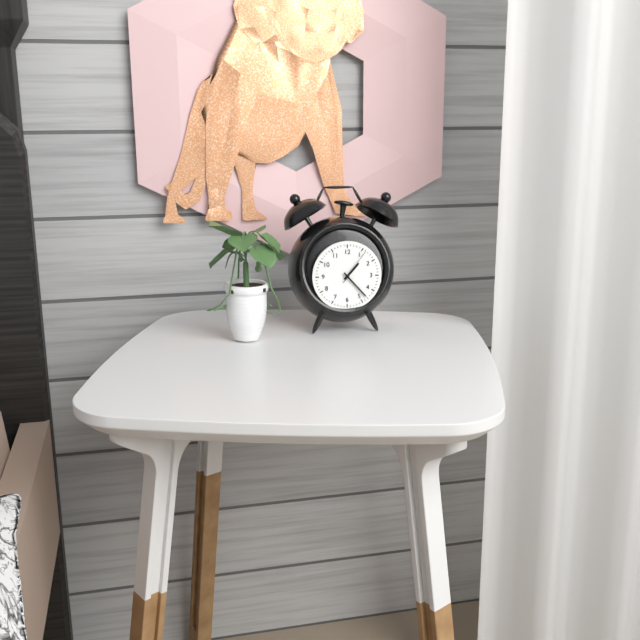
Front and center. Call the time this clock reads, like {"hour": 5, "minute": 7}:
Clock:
{"hour": 1, "minute": 23}
